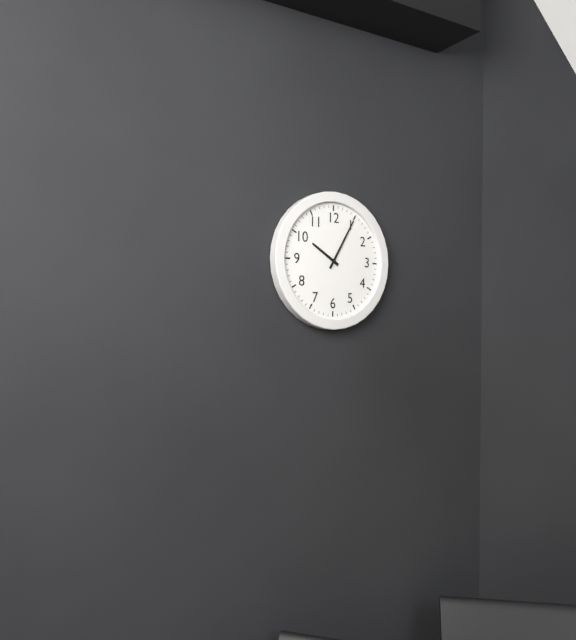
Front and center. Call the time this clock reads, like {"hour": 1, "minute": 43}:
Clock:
{"hour": 10, "minute": 5}
